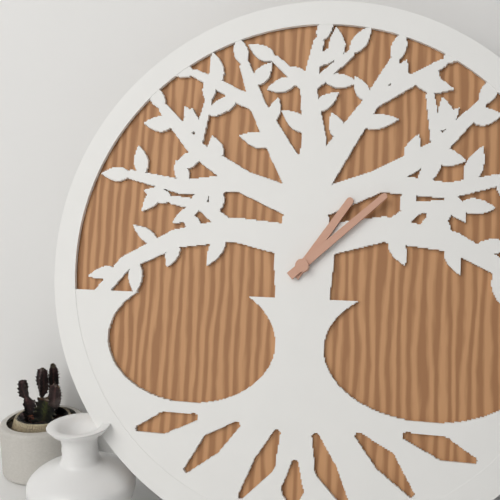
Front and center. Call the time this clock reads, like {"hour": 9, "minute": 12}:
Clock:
{"hour": 1, "minute": 8}
